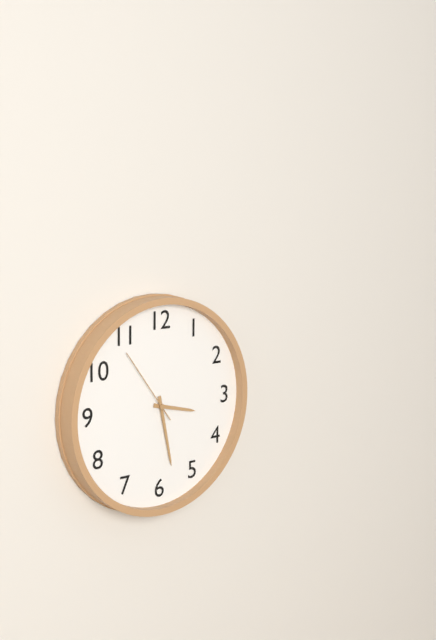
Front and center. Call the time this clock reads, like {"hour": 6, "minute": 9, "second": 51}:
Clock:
{"hour": 3, "minute": 28, "second": 54}
